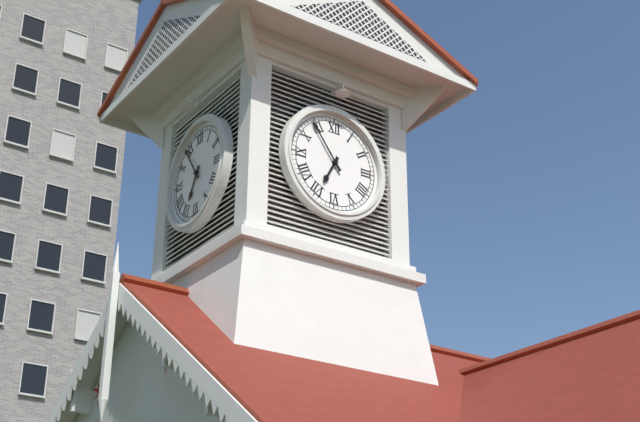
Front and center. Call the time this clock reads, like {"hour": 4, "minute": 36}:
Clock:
{"hour": 6, "minute": 54}
